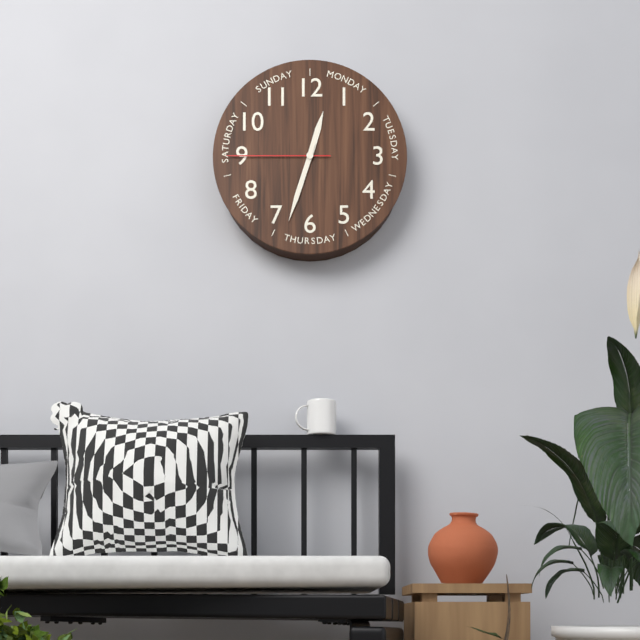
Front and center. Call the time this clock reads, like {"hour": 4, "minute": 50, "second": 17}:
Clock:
{"hour": 12, "minute": 33, "second": 45}
